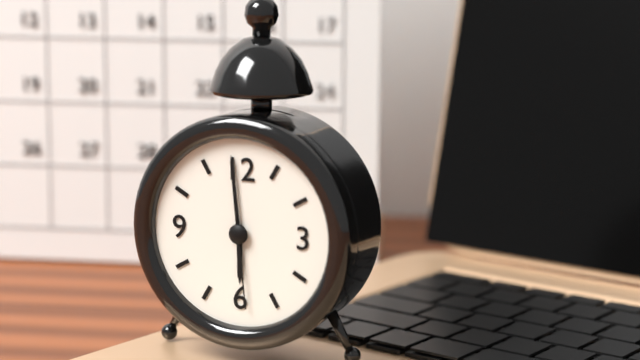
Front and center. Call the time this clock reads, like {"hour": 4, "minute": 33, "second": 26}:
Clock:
{"hour": 5, "minute": 59, "second": 29}
